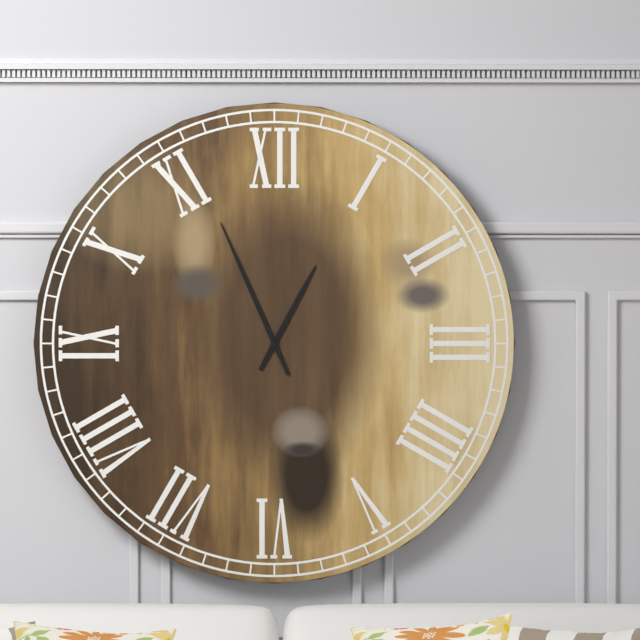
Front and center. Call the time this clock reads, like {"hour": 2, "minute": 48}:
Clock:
{"hour": 12, "minute": 56}
